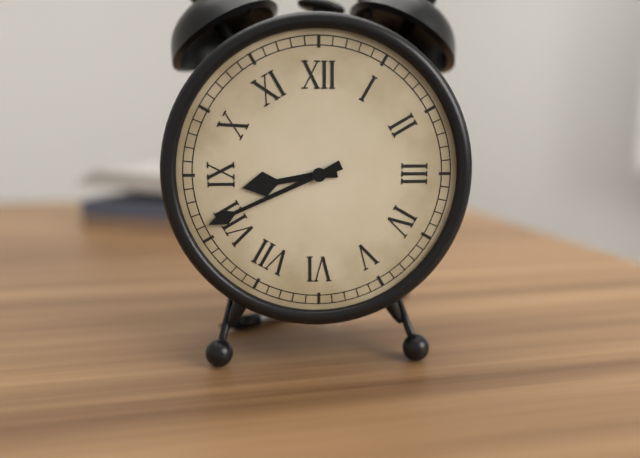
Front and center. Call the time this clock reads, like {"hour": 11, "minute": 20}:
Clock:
{"hour": 8, "minute": 41}
